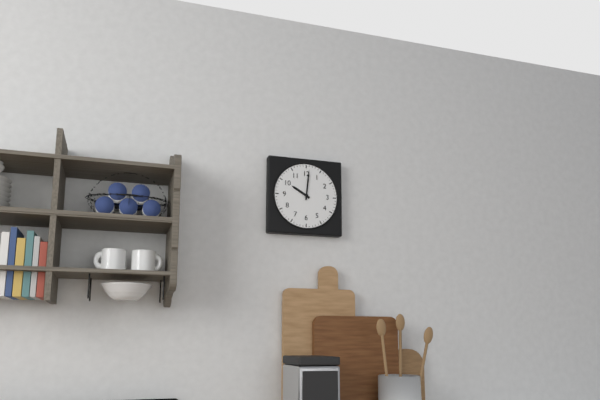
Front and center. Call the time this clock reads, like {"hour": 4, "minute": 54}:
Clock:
{"hour": 10, "minute": 1}
